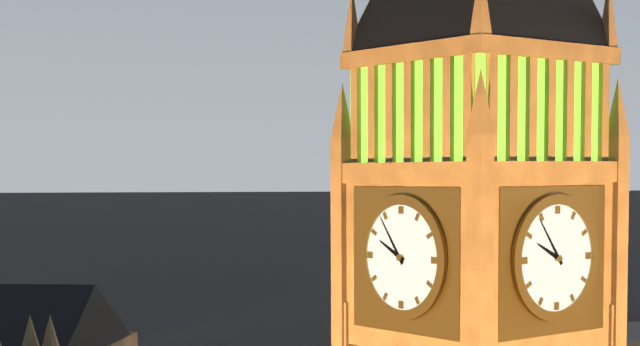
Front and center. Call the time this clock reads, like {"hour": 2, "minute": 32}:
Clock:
{"hour": 9, "minute": 54}
